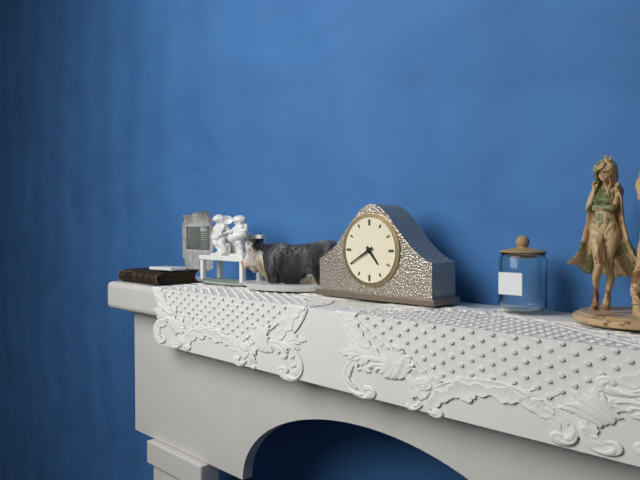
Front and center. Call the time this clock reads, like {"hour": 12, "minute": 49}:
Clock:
{"hour": 4, "minute": 40}
